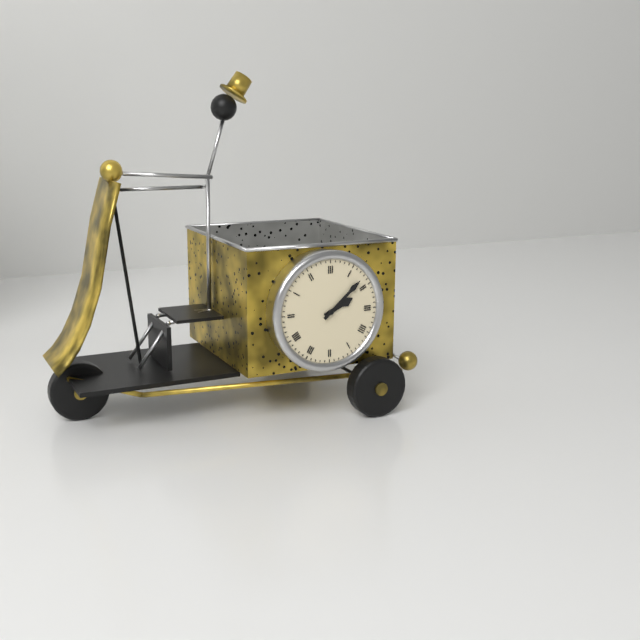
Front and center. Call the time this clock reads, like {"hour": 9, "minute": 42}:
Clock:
{"hour": 2, "minute": 8}
